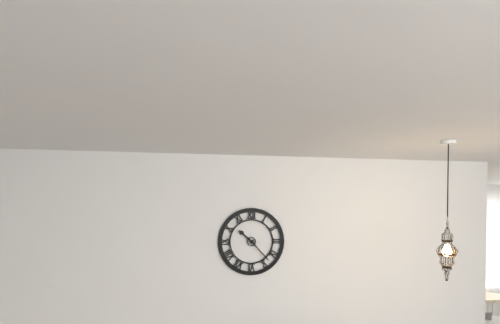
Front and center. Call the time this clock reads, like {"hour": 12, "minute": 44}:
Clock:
{"hour": 10, "minute": 23}
